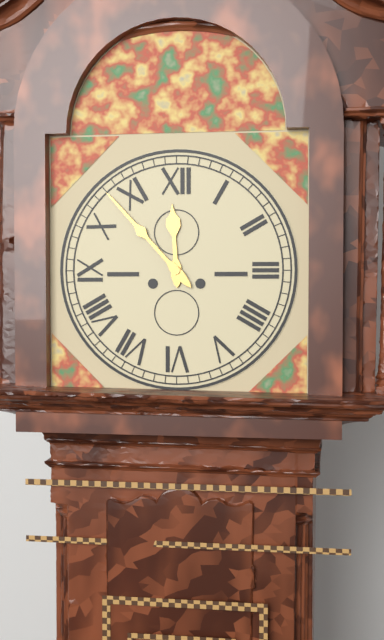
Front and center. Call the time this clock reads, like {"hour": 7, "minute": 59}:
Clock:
{"hour": 11, "minute": 53}
